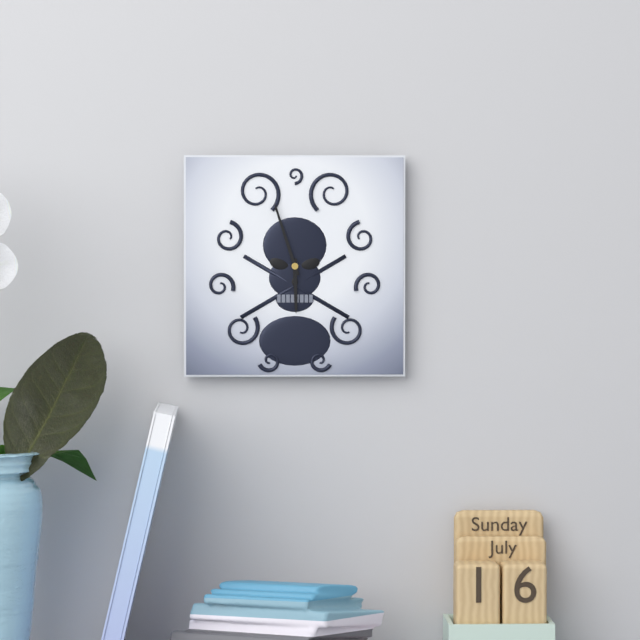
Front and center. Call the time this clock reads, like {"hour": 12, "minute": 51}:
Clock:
{"hour": 5, "minute": 57}
